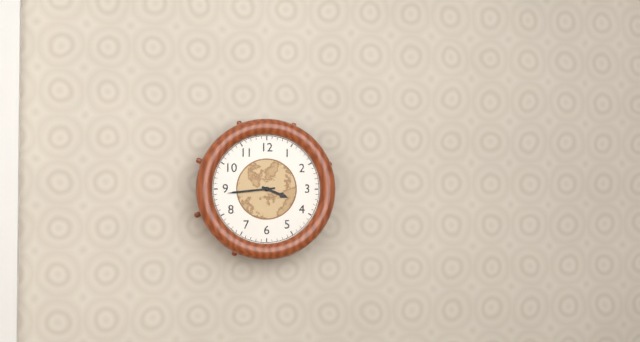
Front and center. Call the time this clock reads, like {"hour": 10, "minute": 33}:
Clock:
{"hour": 3, "minute": 44}
